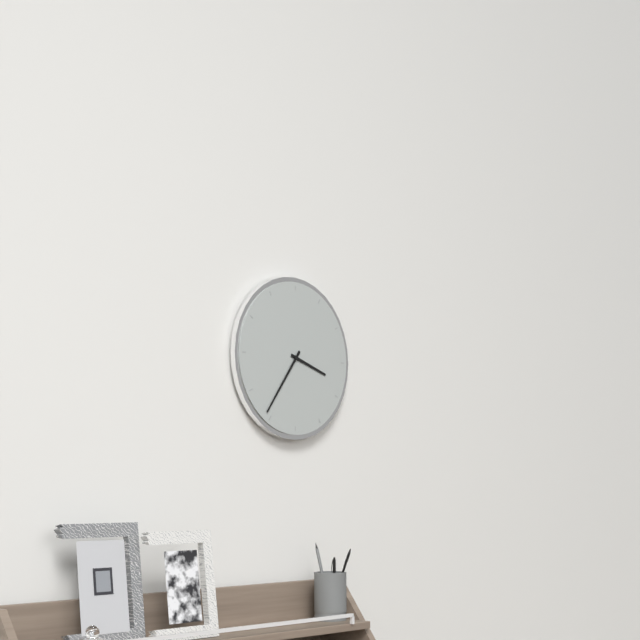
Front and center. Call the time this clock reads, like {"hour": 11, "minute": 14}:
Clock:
{"hour": 3, "minute": 36}
